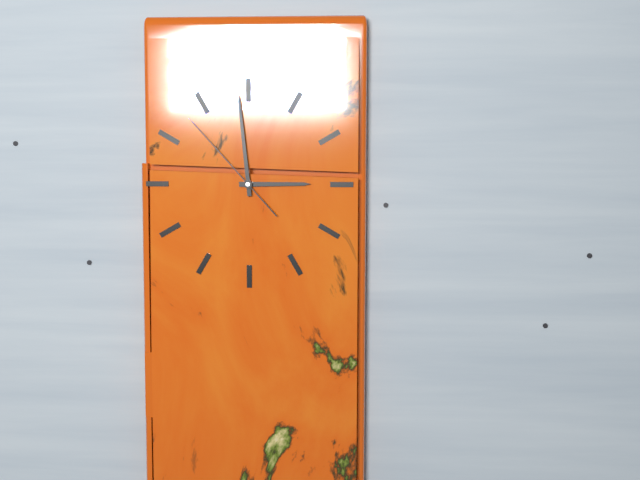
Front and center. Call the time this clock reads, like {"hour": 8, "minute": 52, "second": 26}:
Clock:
{"hour": 2, "minute": 59, "second": 53}
